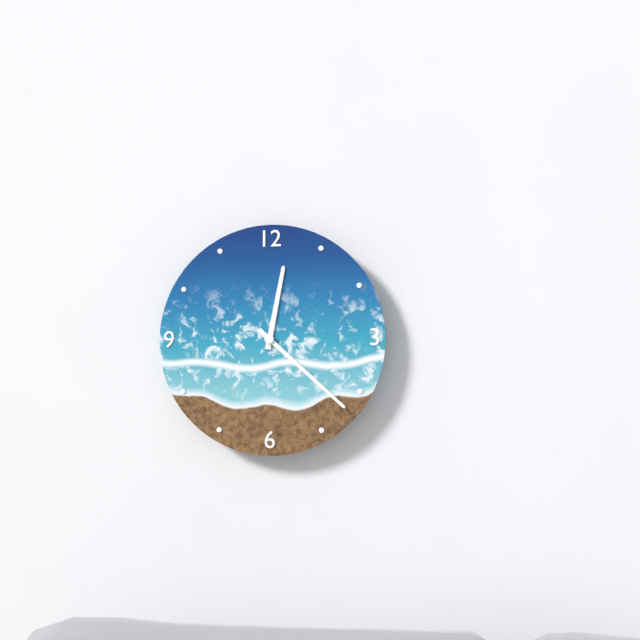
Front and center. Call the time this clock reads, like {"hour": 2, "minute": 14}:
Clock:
{"hour": 12, "minute": 22}
